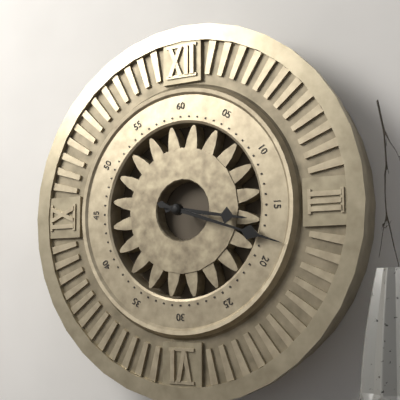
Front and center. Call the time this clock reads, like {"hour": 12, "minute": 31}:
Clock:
{"hour": 3, "minute": 18}
